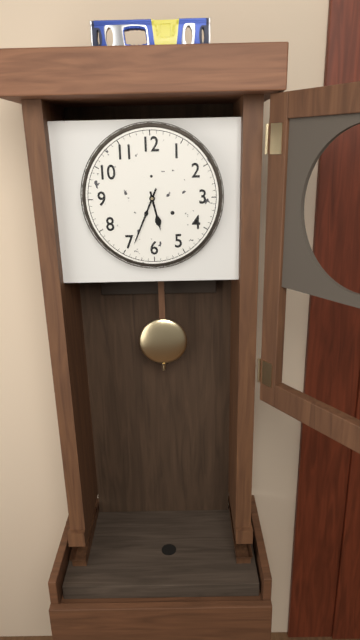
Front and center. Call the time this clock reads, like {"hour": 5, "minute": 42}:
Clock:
{"hour": 5, "minute": 34}
